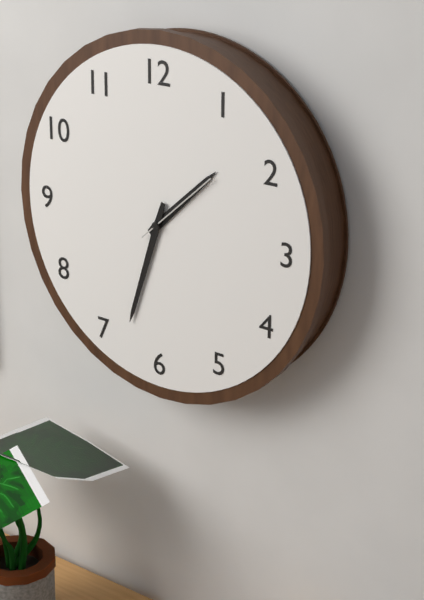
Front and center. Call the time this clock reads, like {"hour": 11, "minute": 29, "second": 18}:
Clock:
{"hour": 1, "minute": 33, "second": 8}
